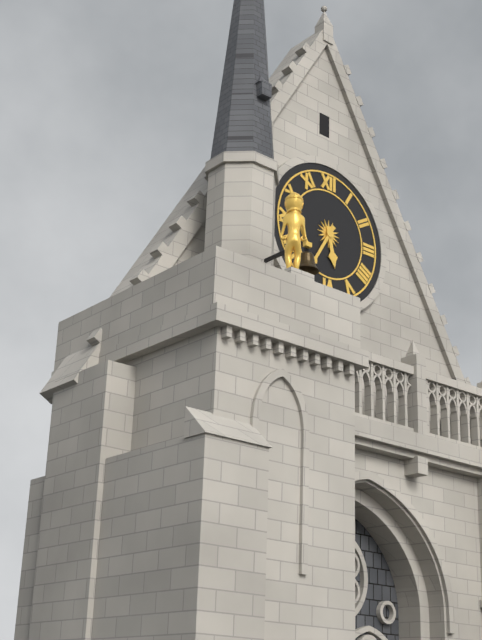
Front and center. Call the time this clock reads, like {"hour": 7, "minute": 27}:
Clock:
{"hour": 5, "minute": 35}
